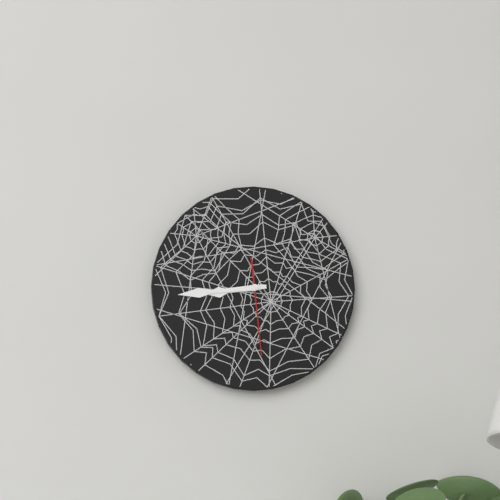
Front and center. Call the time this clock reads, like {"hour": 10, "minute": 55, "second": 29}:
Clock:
{"hour": 8, "minute": 44, "second": 29}
